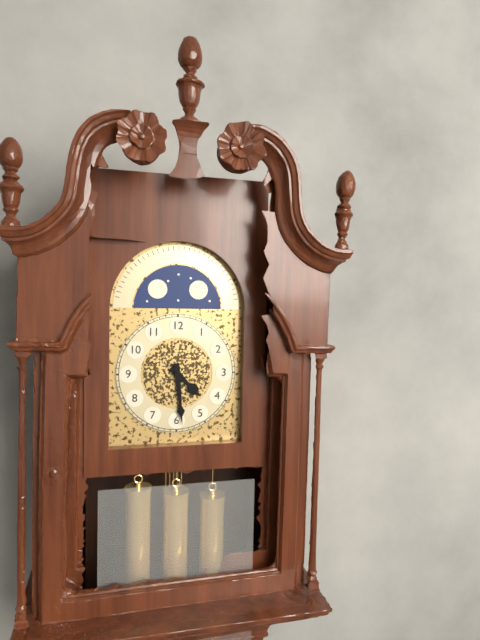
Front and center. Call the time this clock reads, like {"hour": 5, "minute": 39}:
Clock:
{"hour": 4, "minute": 29}
